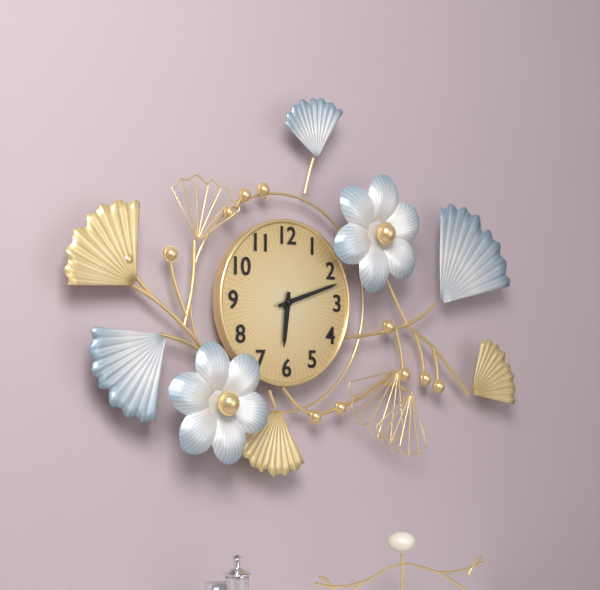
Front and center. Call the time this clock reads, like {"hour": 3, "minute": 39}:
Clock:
{"hour": 6, "minute": 12}
